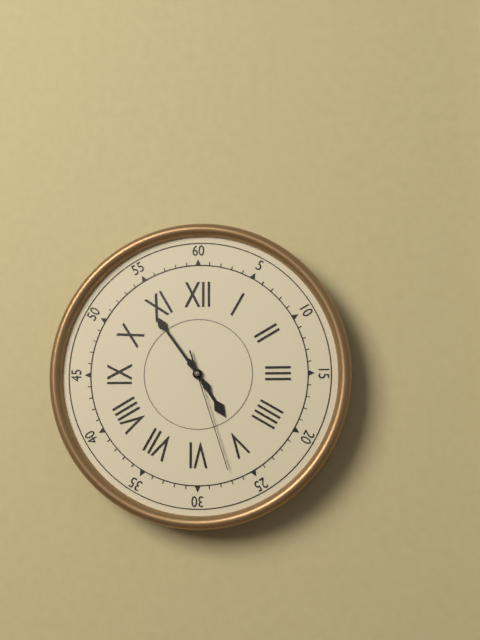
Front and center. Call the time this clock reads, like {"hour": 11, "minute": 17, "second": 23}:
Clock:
{"hour": 4, "minute": 54, "second": 27}
